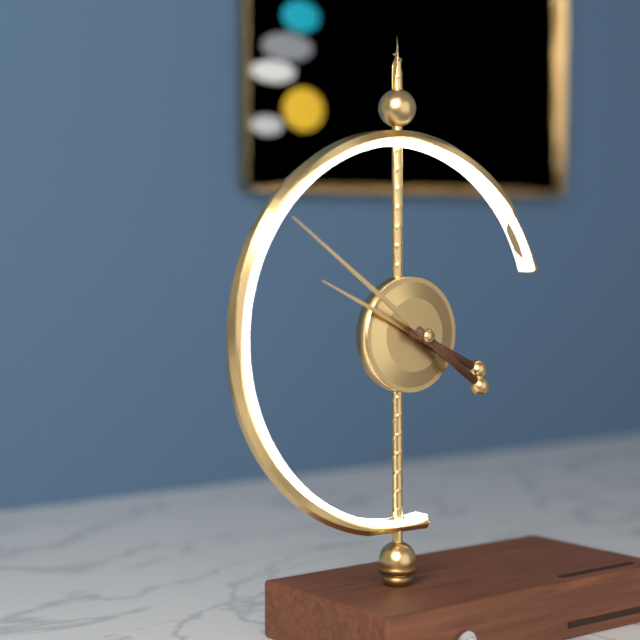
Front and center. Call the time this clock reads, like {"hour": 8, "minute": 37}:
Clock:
{"hour": 9, "minute": 51}
